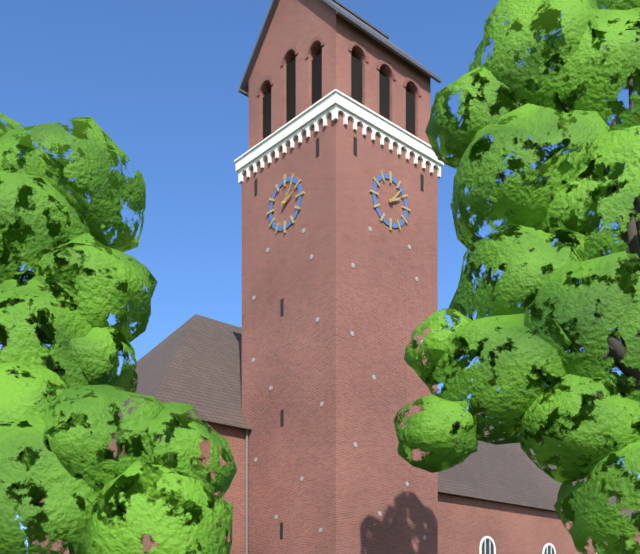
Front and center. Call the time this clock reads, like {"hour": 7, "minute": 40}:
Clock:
{"hour": 2, "minute": 7}
